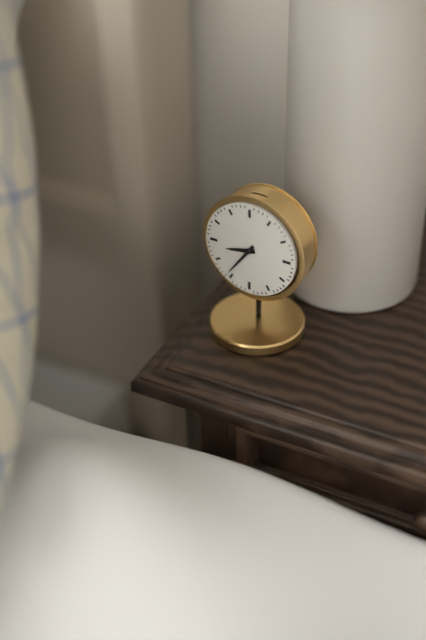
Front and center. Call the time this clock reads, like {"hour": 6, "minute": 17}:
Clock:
{"hour": 8, "minute": 36}
